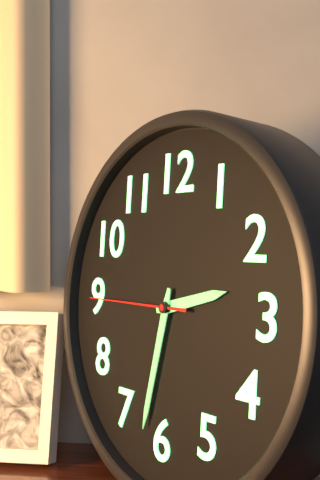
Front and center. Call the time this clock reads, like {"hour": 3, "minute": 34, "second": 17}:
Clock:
{"hour": 2, "minute": 32, "second": 45}
